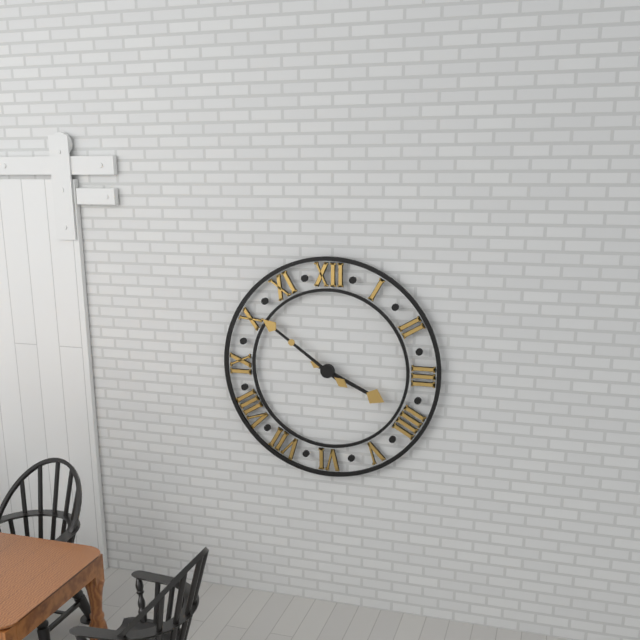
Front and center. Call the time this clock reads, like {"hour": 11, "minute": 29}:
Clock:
{"hour": 3, "minute": 51}
